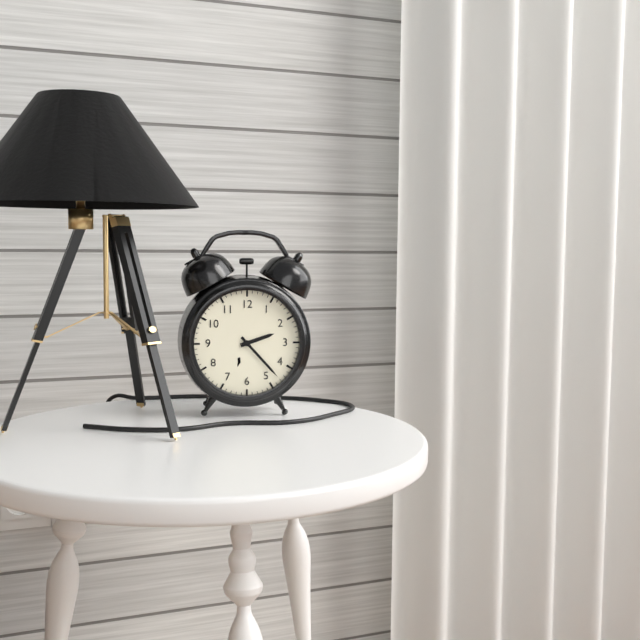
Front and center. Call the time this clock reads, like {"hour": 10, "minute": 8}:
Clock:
{"hour": 2, "minute": 23}
